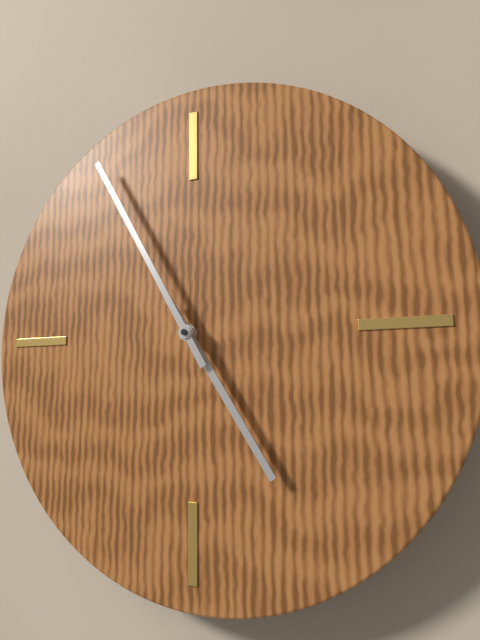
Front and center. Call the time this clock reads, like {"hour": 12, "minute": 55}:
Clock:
{"hour": 4, "minute": 55}
